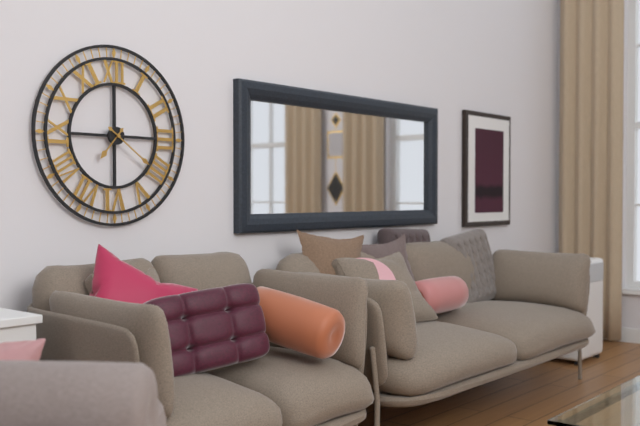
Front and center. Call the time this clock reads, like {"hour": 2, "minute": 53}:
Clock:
{"hour": 7, "minute": 21}
